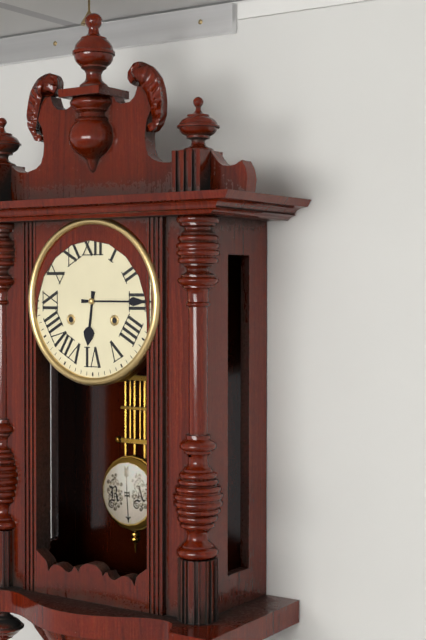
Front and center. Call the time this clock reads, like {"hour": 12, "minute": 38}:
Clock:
{"hour": 6, "minute": 15}
